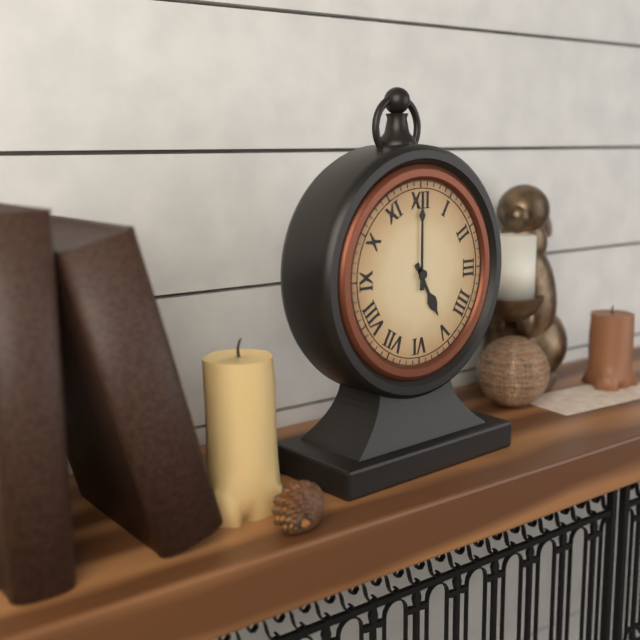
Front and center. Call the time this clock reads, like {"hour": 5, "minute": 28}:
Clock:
{"hour": 5, "minute": 0}
